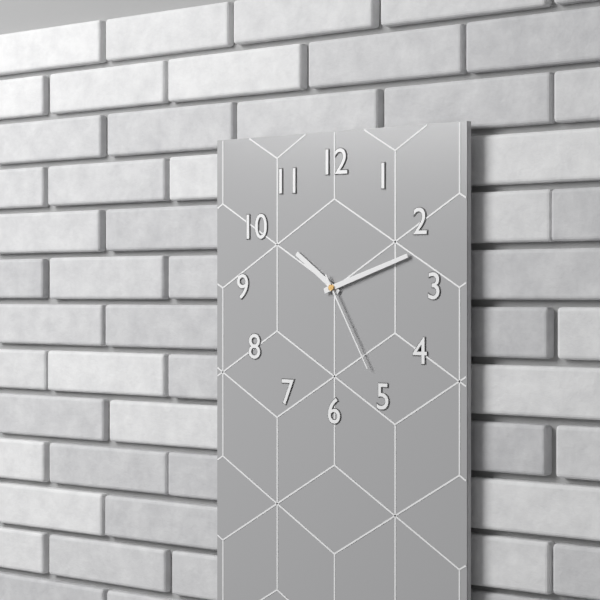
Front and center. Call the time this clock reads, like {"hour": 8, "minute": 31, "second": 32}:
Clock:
{"hour": 10, "minute": 12, "second": 25}
